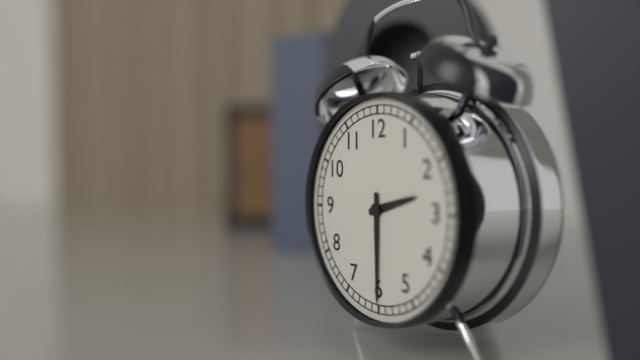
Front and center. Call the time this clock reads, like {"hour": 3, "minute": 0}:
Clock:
{"hour": 2, "minute": 30}
